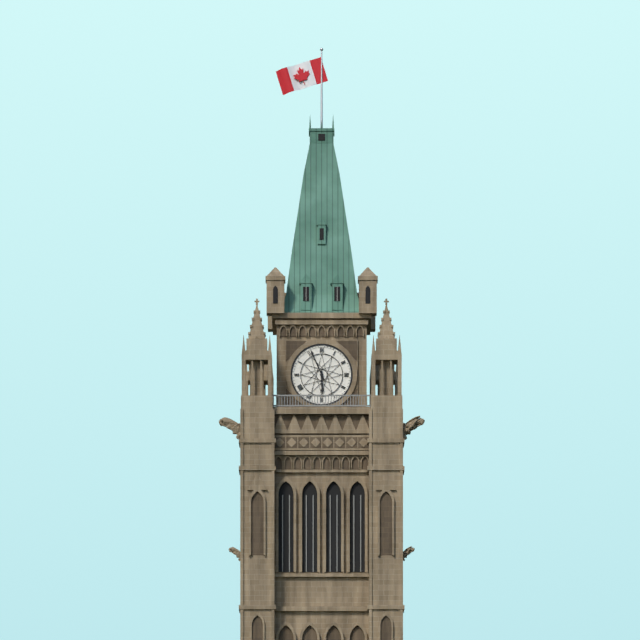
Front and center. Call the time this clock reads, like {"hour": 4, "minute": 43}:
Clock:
{"hour": 5, "minute": 56}
